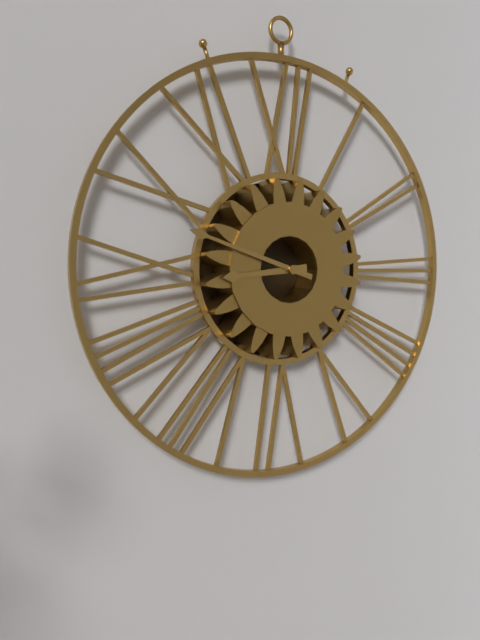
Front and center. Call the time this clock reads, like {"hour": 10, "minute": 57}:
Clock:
{"hour": 8, "minute": 48}
